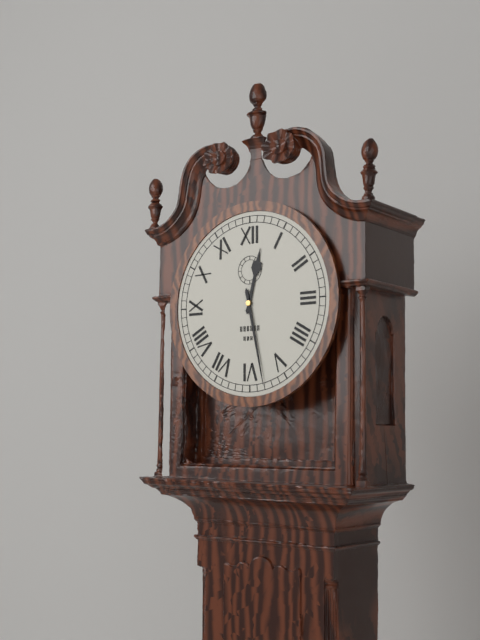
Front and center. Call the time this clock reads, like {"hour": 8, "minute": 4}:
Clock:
{"hour": 12, "minute": 28}
